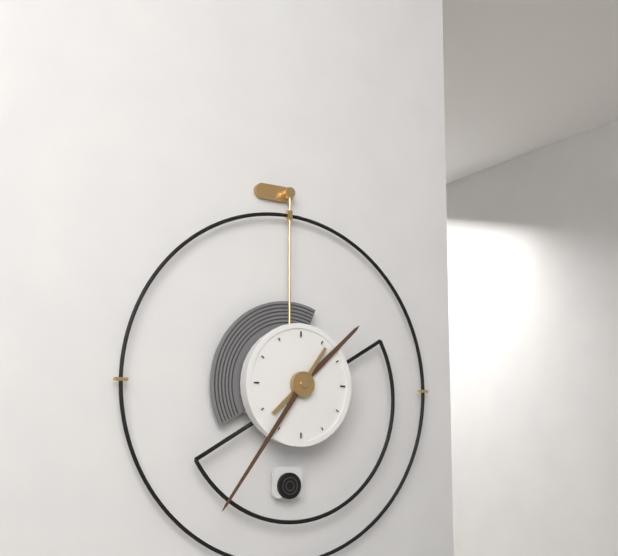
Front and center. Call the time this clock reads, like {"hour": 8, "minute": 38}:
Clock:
{"hour": 1, "minute": 36}
